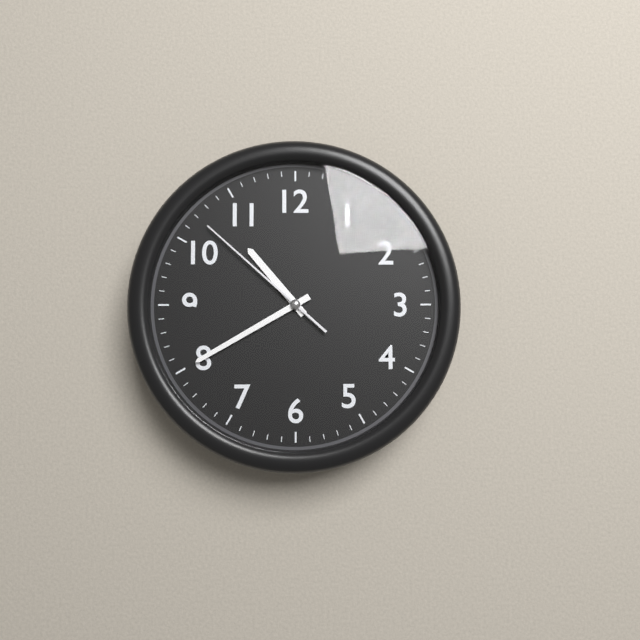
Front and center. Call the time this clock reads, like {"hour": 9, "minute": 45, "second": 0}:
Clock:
{"hour": 10, "minute": 40, "second": 52}
